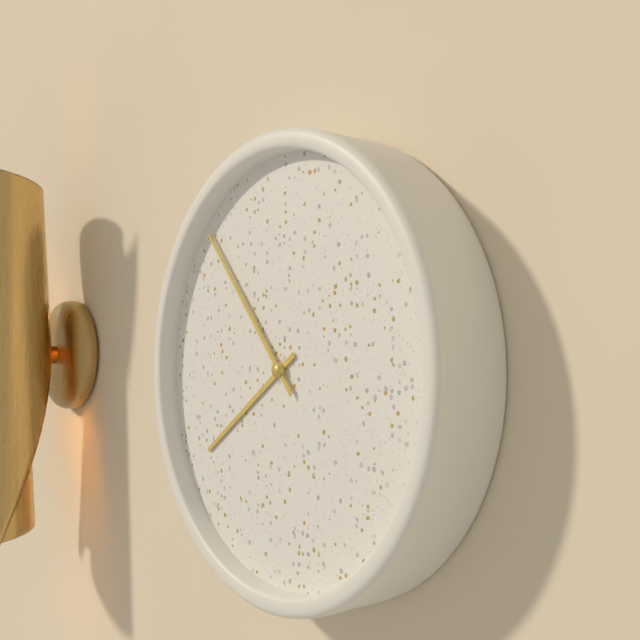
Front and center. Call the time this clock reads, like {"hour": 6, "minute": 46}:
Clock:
{"hour": 7, "minute": 53}
